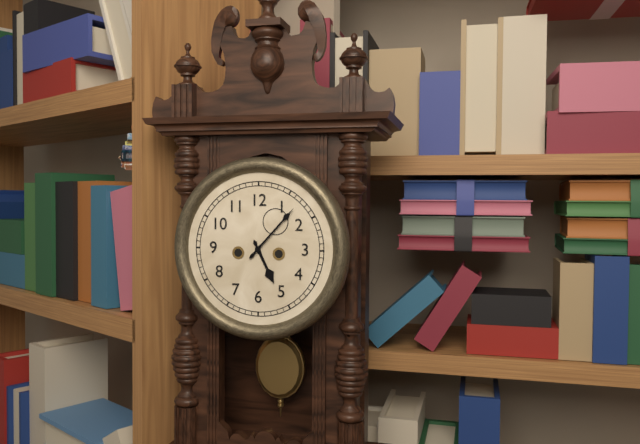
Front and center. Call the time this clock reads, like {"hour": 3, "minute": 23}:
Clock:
{"hour": 5, "minute": 7}
